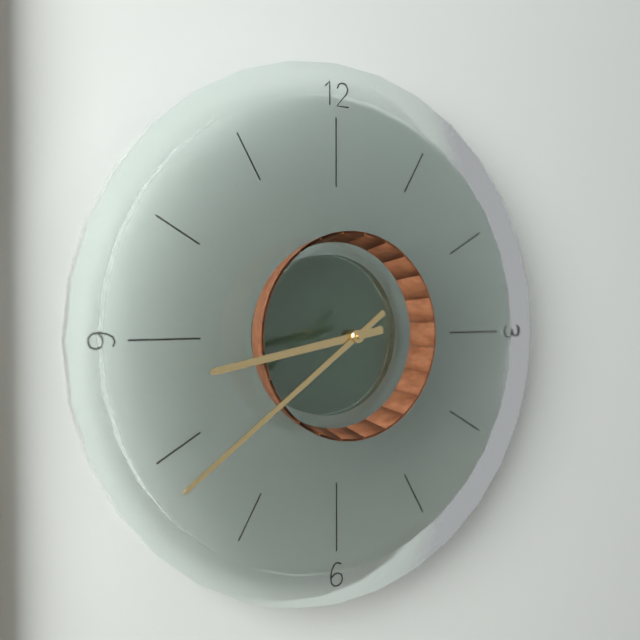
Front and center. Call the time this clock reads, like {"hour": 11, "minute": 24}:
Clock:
{"hour": 8, "minute": 39}
